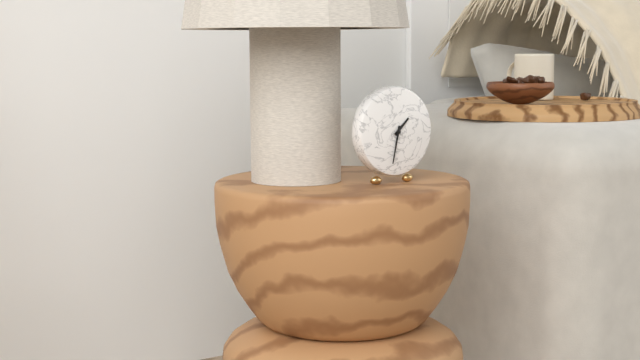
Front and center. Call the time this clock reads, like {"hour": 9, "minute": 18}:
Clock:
{"hour": 1, "minute": 32}
